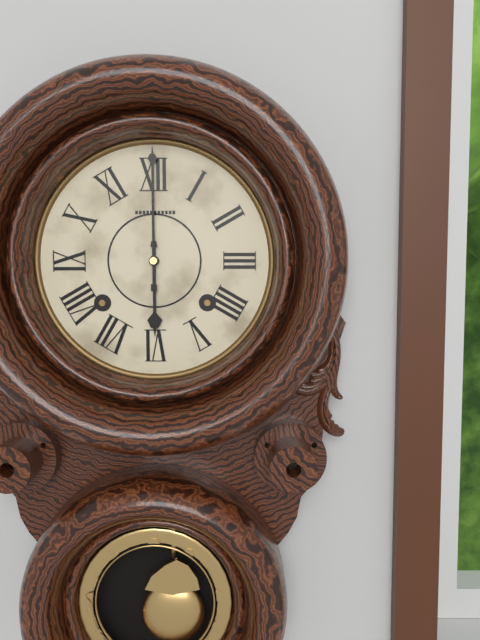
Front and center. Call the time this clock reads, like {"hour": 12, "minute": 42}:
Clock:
{"hour": 6, "minute": 0}
